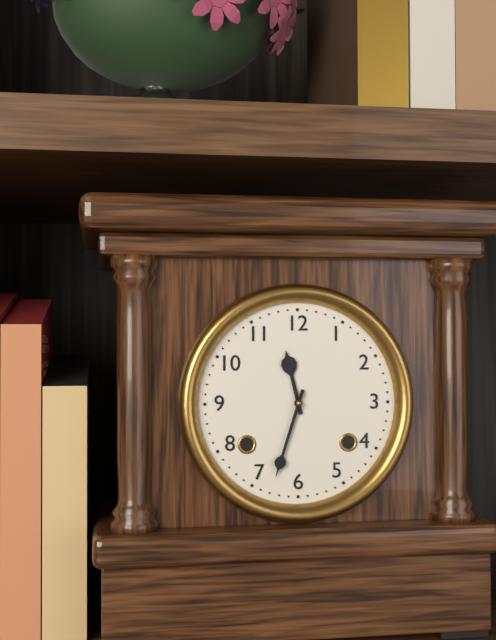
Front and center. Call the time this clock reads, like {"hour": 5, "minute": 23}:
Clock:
{"hour": 11, "minute": 33}
